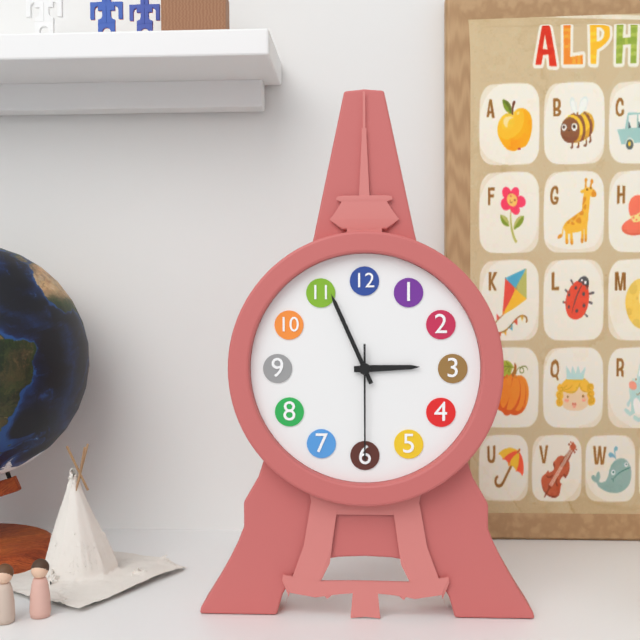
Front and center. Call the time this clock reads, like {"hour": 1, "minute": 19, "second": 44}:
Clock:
{"hour": 2, "minute": 56, "second": 30}
